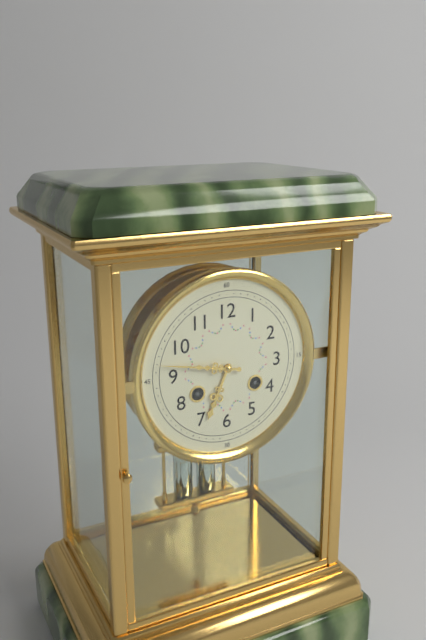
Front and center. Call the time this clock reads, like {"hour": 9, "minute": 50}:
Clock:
{"hour": 6, "minute": 47}
